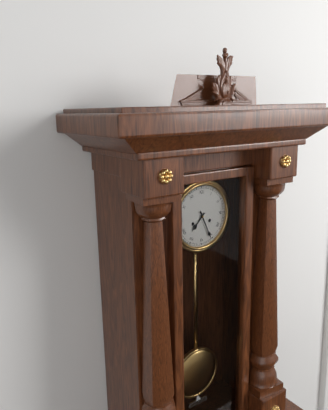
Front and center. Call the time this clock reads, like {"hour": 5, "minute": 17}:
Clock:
{"hour": 7, "minute": 26}
